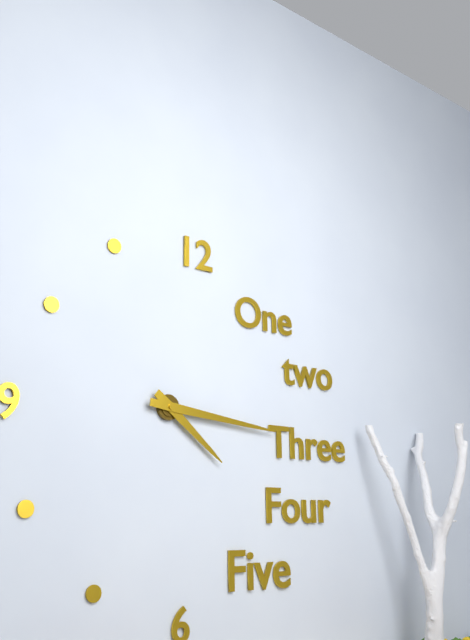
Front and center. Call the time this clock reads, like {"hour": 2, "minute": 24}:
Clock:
{"hour": 4, "minute": 16}
